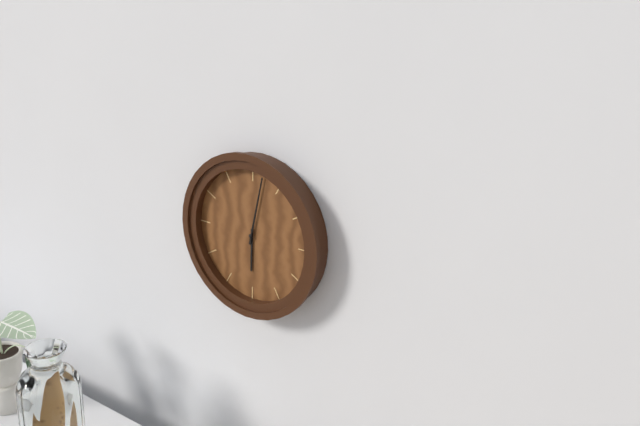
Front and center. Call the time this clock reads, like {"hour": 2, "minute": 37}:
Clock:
{"hour": 6, "minute": 2}
